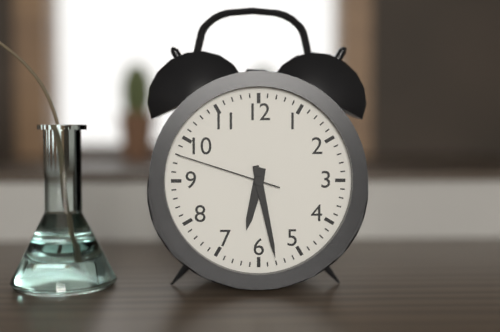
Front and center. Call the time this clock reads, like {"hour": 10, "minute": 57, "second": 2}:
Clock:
{"hour": 6, "minute": 28, "second": 48}
